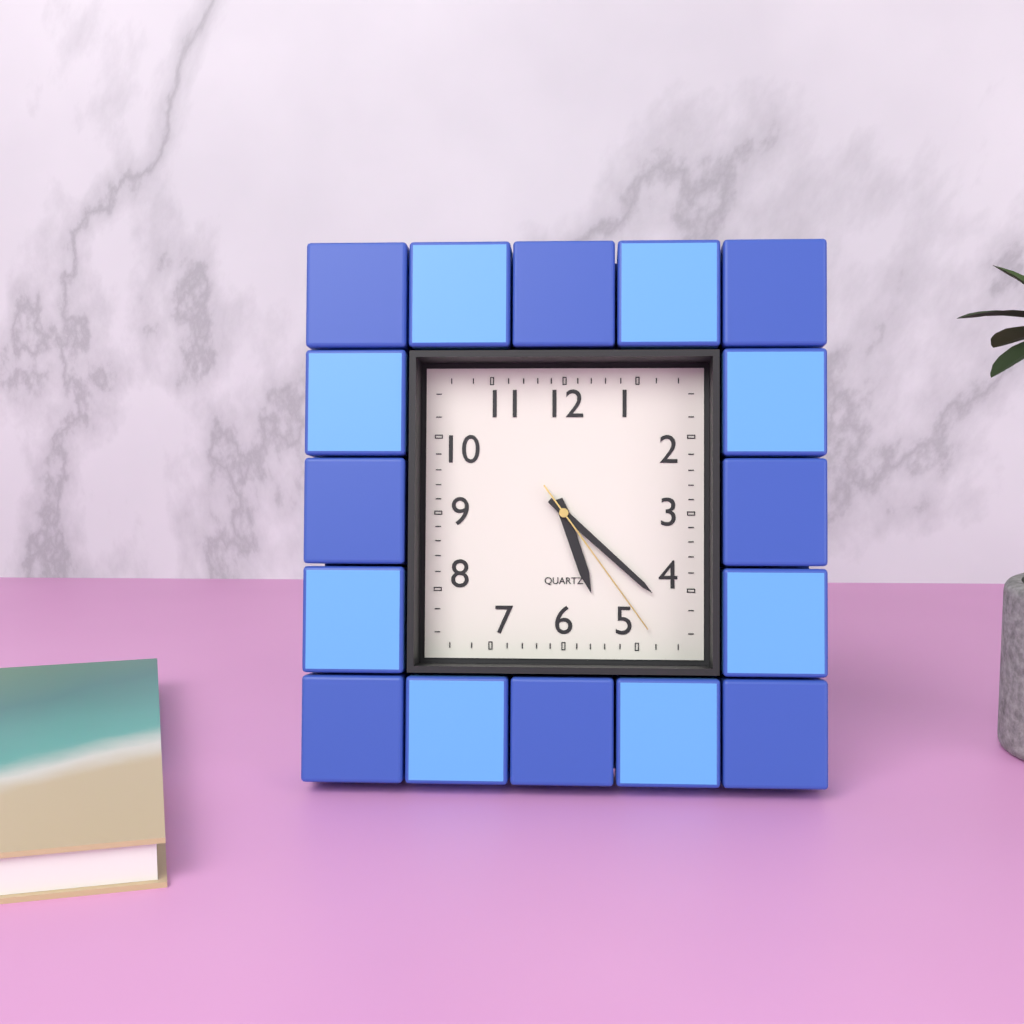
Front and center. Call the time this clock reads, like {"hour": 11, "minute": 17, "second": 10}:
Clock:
{"hour": 5, "minute": 22, "second": 24}
